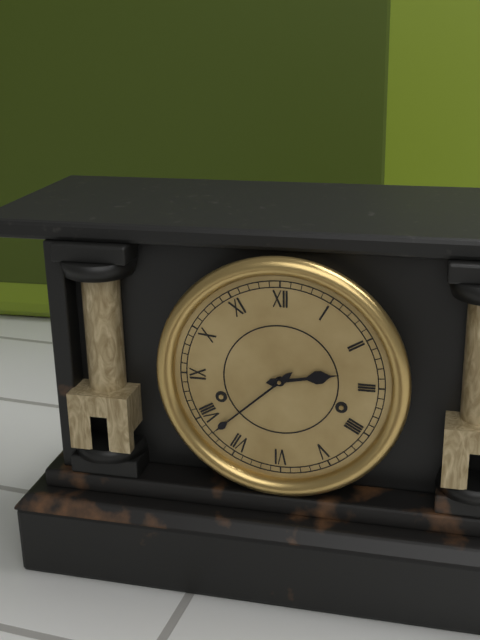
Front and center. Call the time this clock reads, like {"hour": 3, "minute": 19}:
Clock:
{"hour": 2, "minute": 38}
